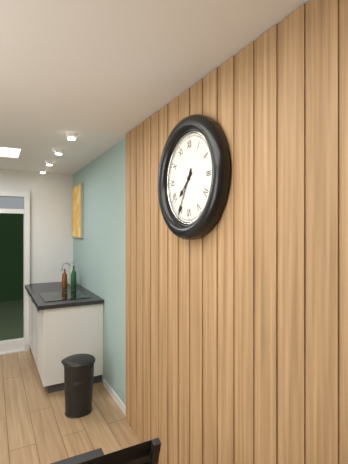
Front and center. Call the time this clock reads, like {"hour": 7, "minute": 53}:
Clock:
{"hour": 7, "minute": 35}
